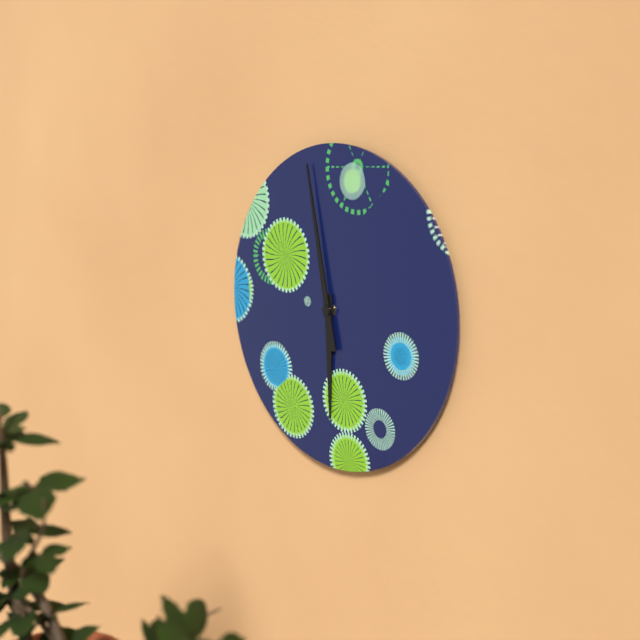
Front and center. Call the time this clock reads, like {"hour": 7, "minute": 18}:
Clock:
{"hour": 5, "minute": 58}
